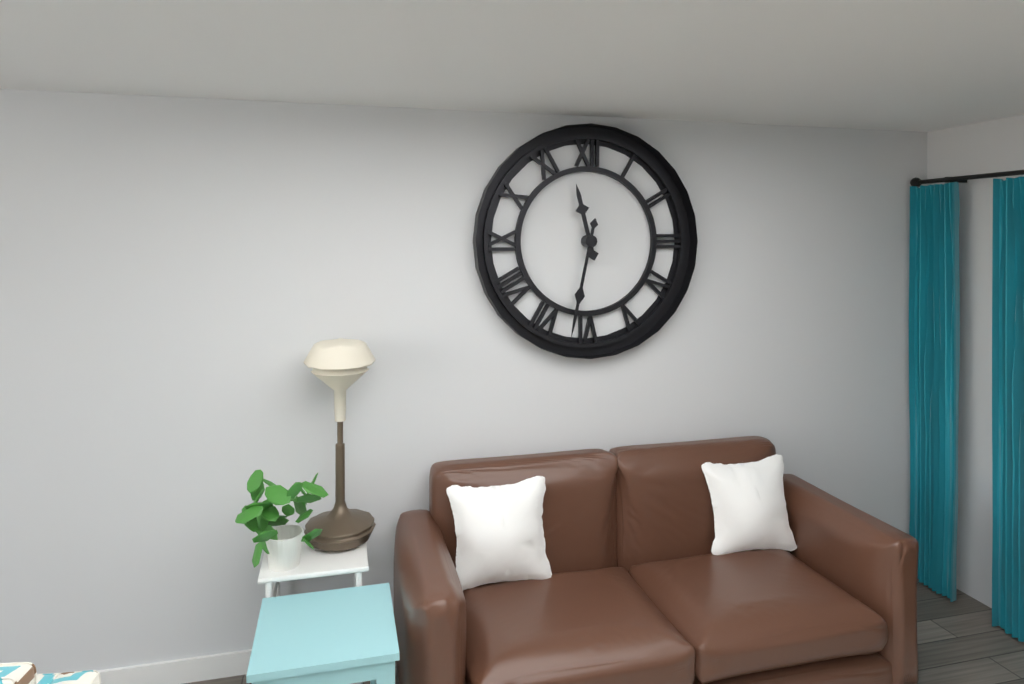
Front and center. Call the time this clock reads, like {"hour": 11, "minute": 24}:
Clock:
{"hour": 11, "minute": 32}
